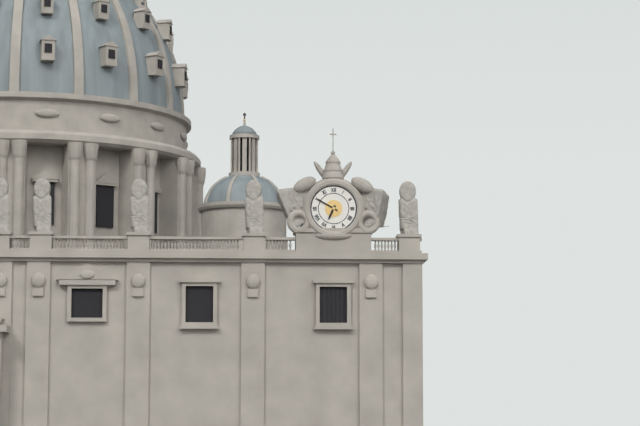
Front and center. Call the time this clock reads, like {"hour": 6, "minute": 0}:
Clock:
{"hour": 6, "minute": 50}
